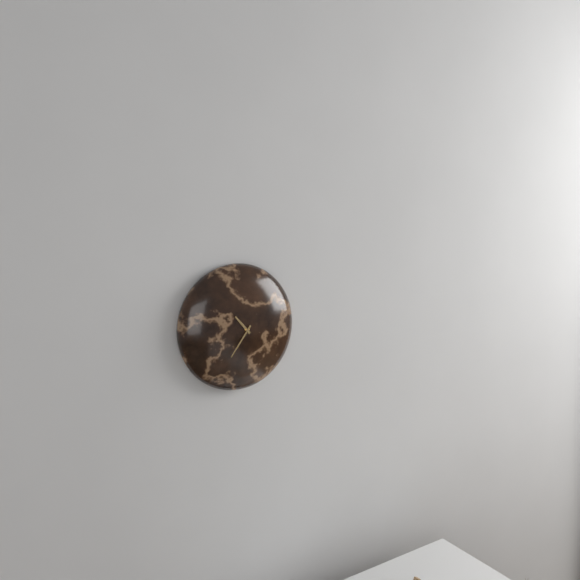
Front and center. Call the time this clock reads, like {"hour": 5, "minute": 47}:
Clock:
{"hour": 10, "minute": 36}
